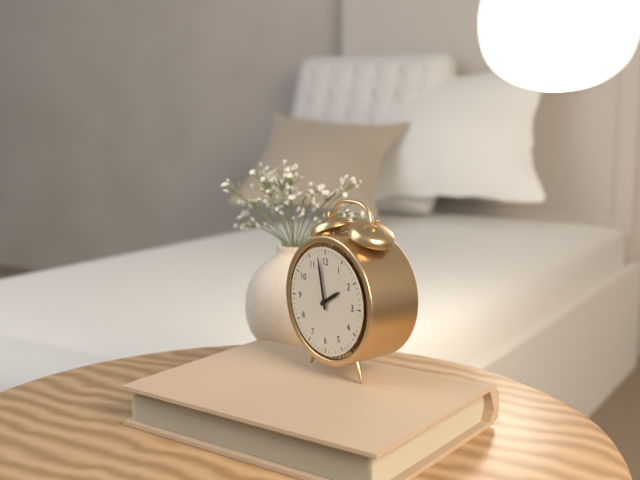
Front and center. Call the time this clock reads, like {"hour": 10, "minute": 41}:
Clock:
{"hour": 1, "minute": 58}
